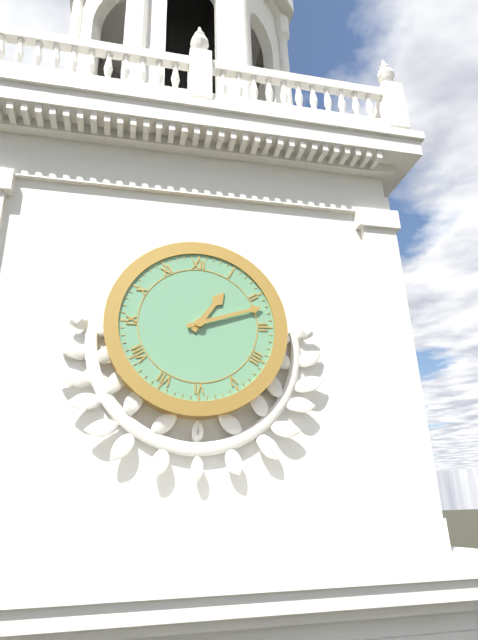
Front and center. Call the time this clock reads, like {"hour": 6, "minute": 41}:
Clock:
{"hour": 1, "minute": 12}
